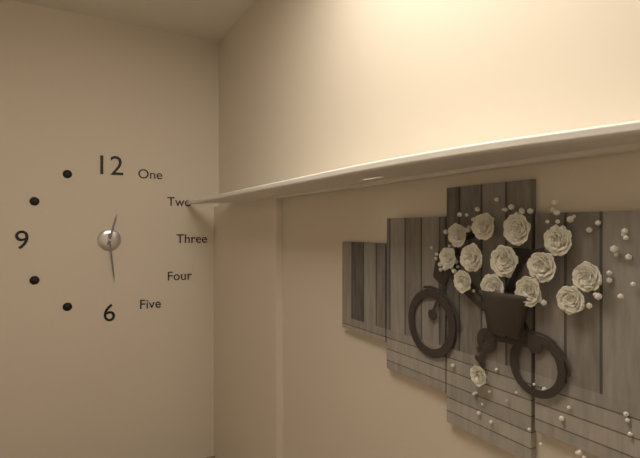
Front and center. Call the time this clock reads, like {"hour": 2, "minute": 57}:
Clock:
{"hour": 12, "minute": 29}
